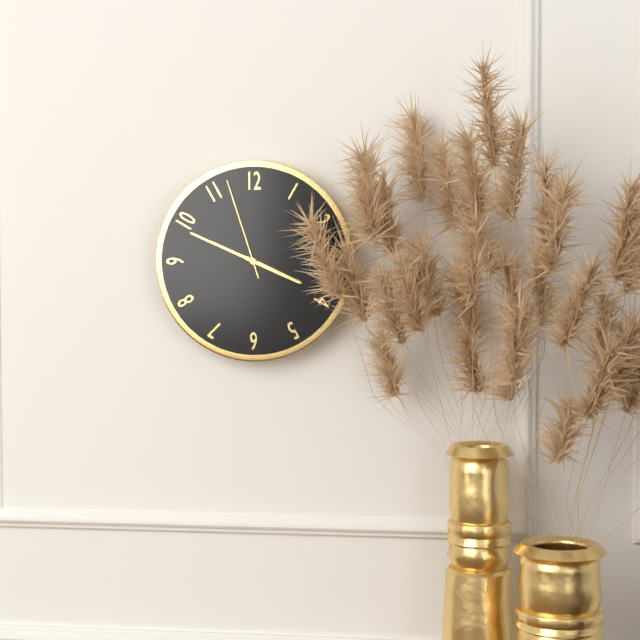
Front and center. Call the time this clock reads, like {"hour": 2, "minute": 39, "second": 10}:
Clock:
{"hour": 3, "minute": 49, "second": 57}
